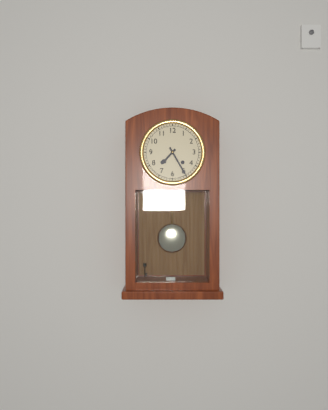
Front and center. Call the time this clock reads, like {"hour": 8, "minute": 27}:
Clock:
{"hour": 7, "minute": 25}
